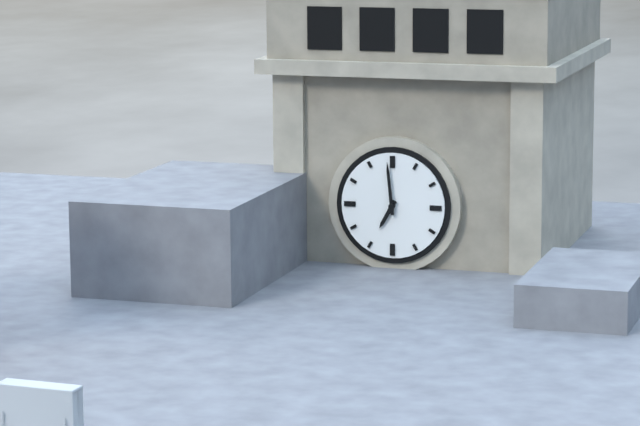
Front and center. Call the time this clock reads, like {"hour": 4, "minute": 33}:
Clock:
{"hour": 6, "minute": 59}
